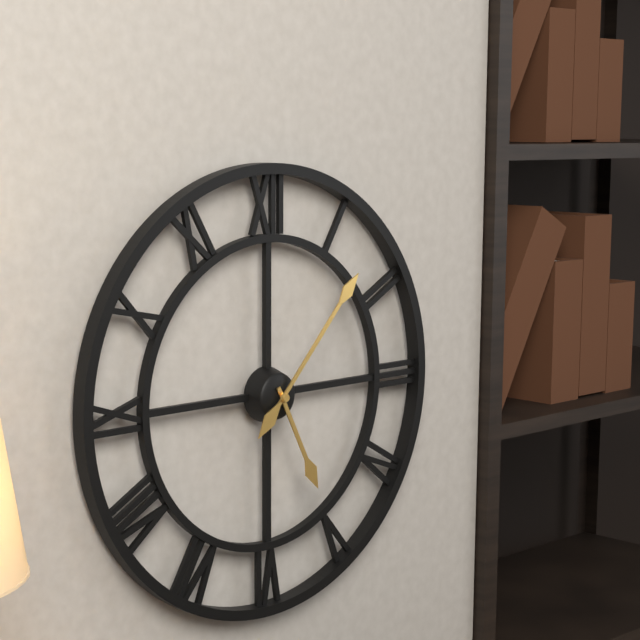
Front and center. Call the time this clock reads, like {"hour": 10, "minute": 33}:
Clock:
{"hour": 5, "minute": 7}
